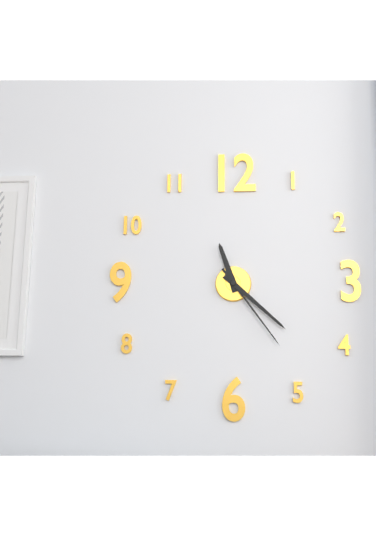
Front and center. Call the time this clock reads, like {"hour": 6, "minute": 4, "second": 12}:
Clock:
{"hour": 11, "minute": 22, "second": 24}
